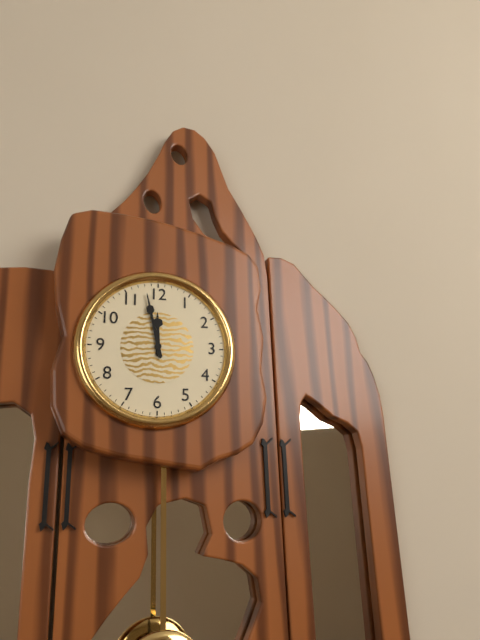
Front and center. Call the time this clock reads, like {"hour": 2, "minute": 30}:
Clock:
{"hour": 11, "minute": 58}
